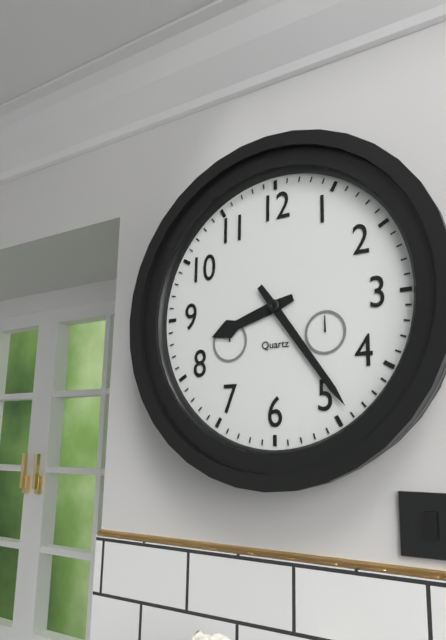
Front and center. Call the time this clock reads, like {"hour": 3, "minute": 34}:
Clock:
{"hour": 8, "minute": 24}
